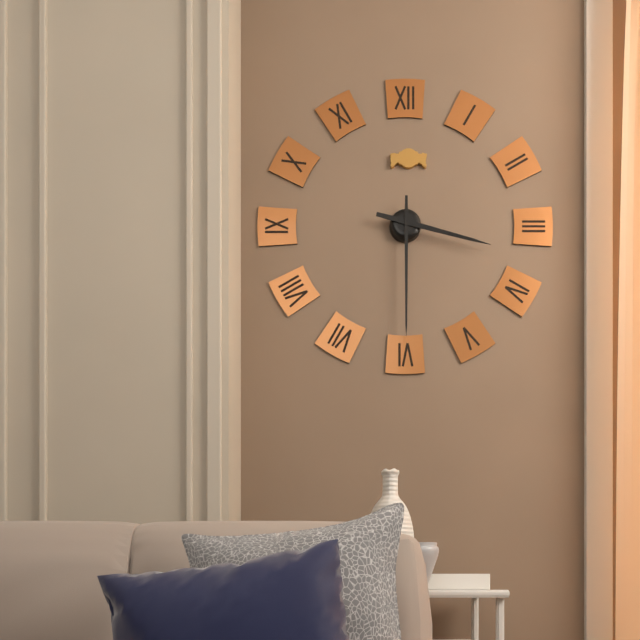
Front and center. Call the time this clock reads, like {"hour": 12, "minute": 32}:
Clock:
{"hour": 3, "minute": 30}
